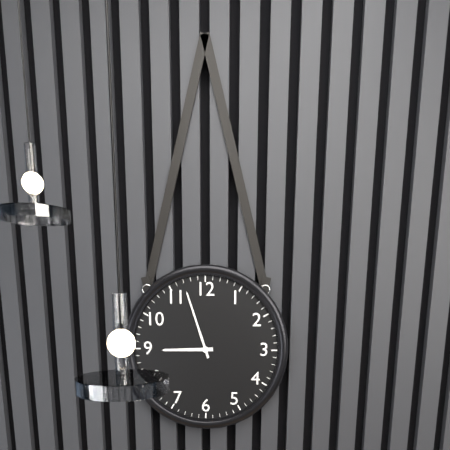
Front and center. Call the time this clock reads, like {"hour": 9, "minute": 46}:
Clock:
{"hour": 8, "minute": 57}
